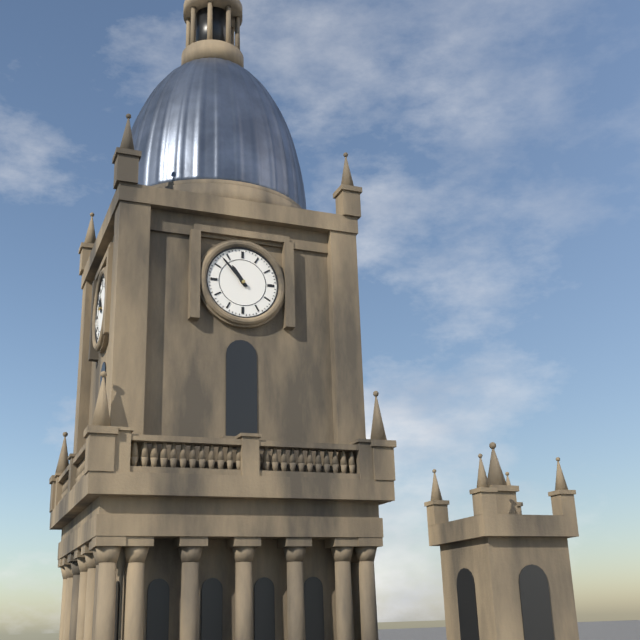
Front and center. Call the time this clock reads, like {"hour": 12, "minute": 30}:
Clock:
{"hour": 10, "minute": 53}
